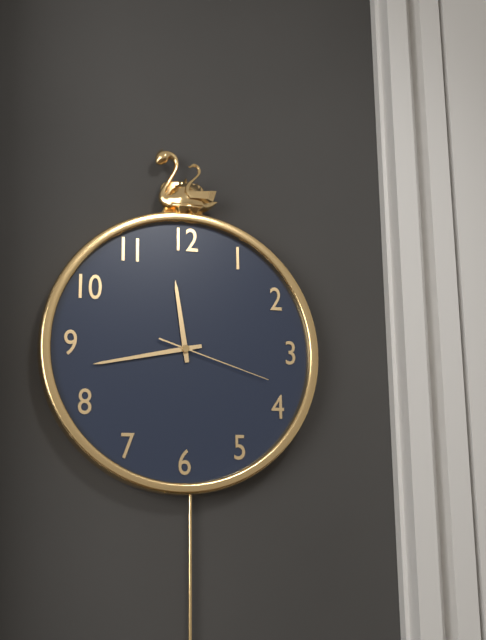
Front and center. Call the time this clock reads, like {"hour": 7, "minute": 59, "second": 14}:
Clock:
{"hour": 11, "minute": 43, "second": 18}
